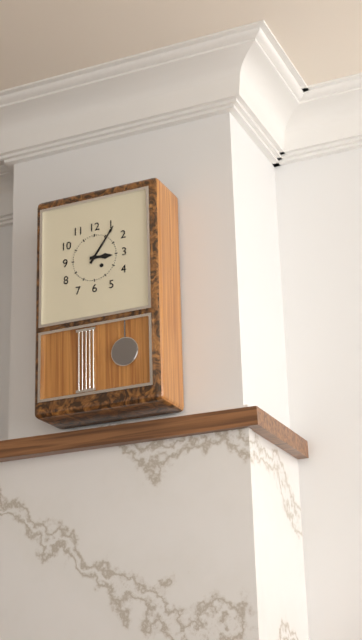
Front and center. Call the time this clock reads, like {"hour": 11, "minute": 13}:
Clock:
{"hour": 3, "minute": 6}
